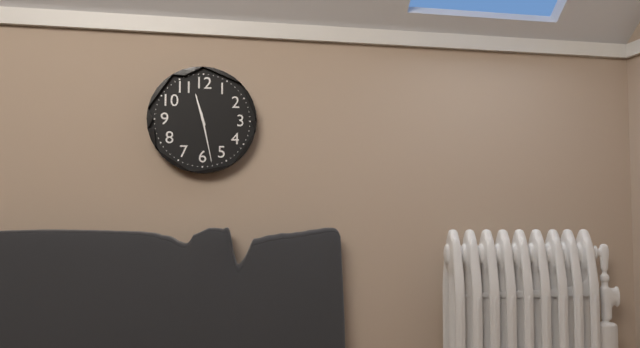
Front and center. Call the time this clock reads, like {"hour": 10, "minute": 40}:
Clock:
{"hour": 11, "minute": 28}
